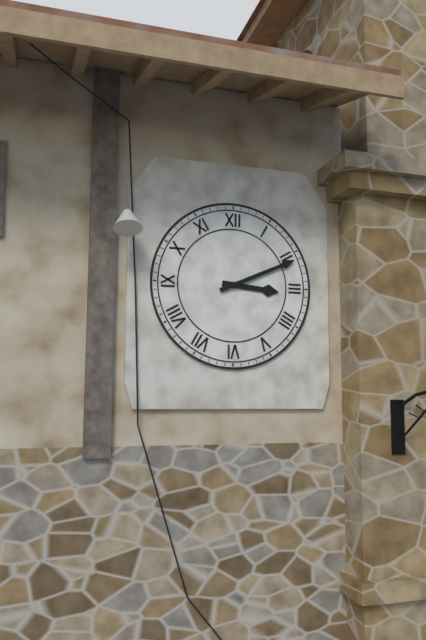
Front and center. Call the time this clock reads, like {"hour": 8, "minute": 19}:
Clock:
{"hour": 3, "minute": 11}
